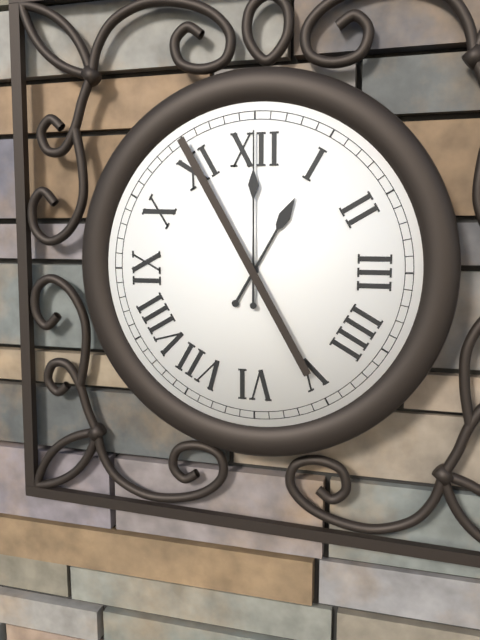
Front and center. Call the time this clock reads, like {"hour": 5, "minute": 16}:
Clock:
{"hour": 1, "minute": 0}
